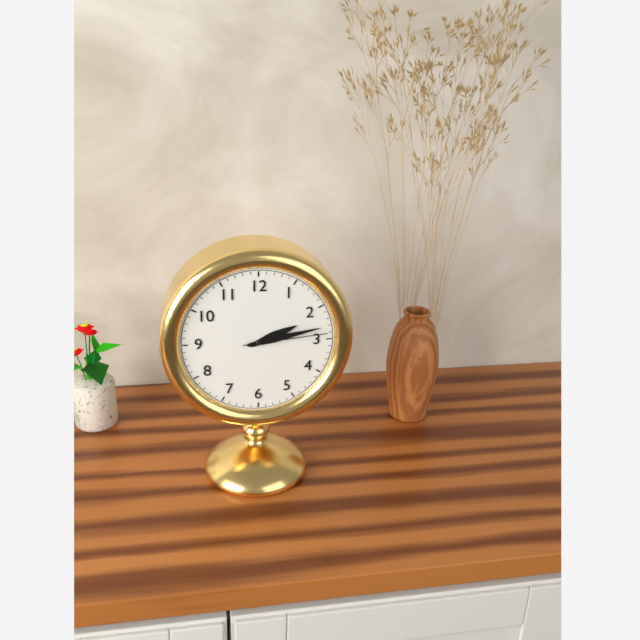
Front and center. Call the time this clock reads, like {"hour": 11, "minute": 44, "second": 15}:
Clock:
{"hour": 2, "minute": 13, "second": 14}
